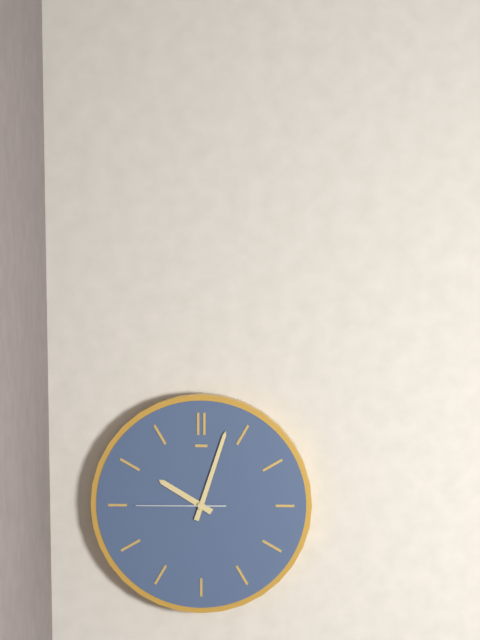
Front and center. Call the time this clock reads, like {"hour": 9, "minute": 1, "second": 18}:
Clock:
{"hour": 10, "minute": 3, "second": 45}
